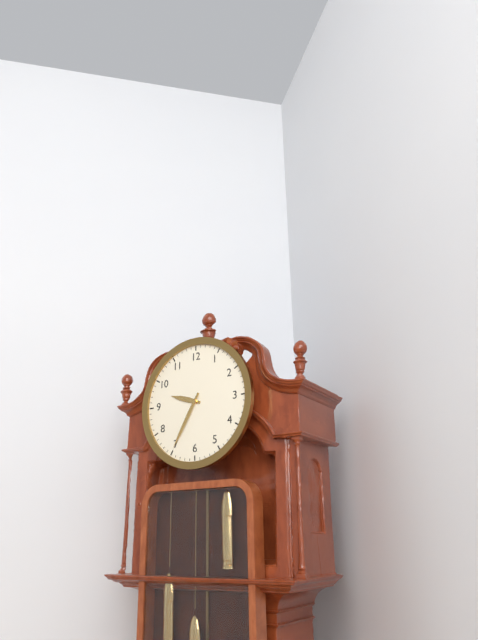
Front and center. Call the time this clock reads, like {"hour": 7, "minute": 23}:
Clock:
{"hour": 9, "minute": 35}
